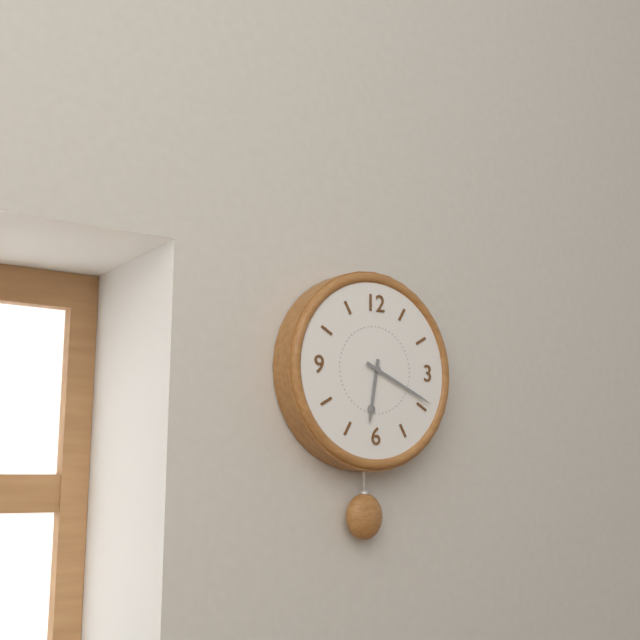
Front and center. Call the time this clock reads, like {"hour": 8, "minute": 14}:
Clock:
{"hour": 6, "minute": 19}
